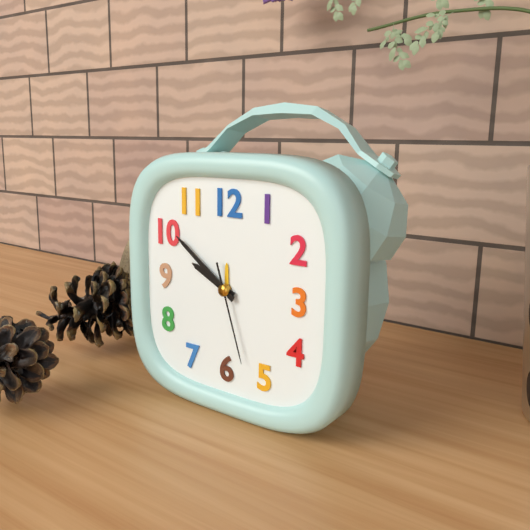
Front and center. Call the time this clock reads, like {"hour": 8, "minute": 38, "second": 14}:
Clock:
{"hour": 9, "minute": 51, "second": 27}
